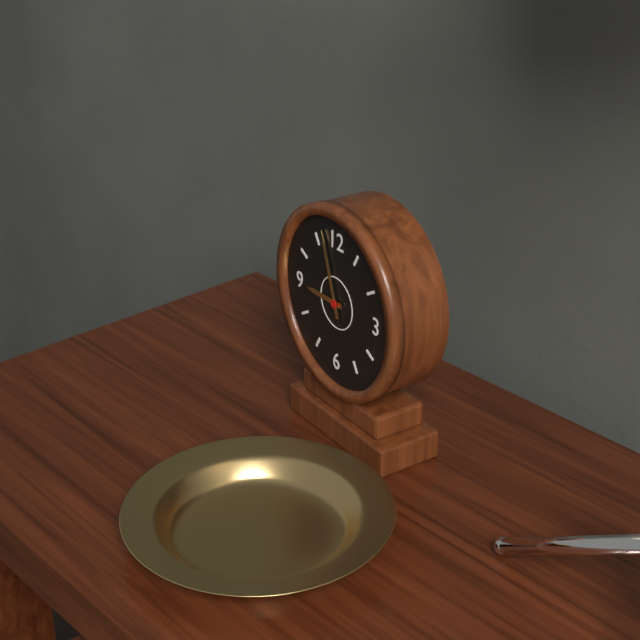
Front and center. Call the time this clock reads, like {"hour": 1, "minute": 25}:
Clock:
{"hour": 8, "minute": 57}
